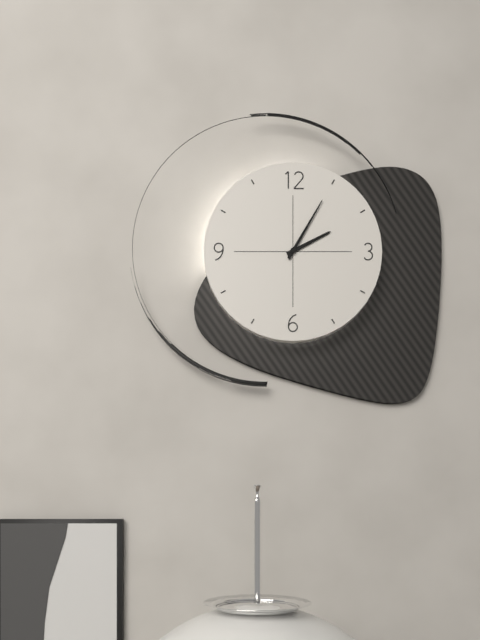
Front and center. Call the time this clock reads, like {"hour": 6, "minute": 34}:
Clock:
{"hour": 2, "minute": 5}
